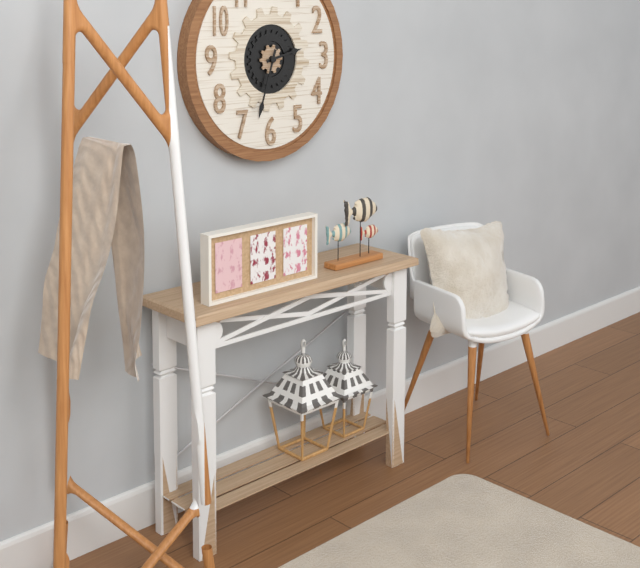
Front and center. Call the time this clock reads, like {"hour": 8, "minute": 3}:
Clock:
{"hour": 2, "minute": 33}
